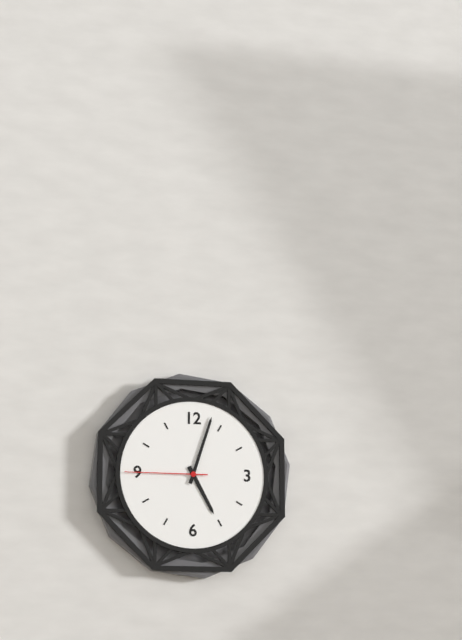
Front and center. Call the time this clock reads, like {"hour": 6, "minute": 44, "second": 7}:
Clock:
{"hour": 5, "minute": 3, "second": 45}
